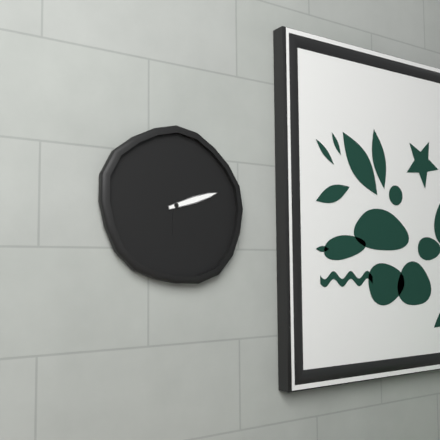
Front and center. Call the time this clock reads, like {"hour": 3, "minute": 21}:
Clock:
{"hour": 6, "minute": 12}
